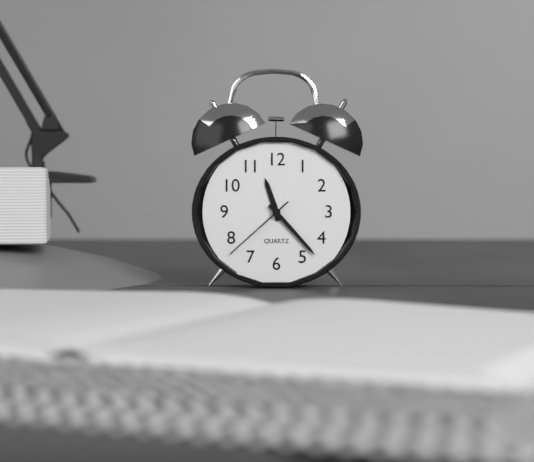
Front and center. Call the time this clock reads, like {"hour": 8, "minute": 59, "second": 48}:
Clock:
{"hour": 11, "minute": 23, "second": 38}
